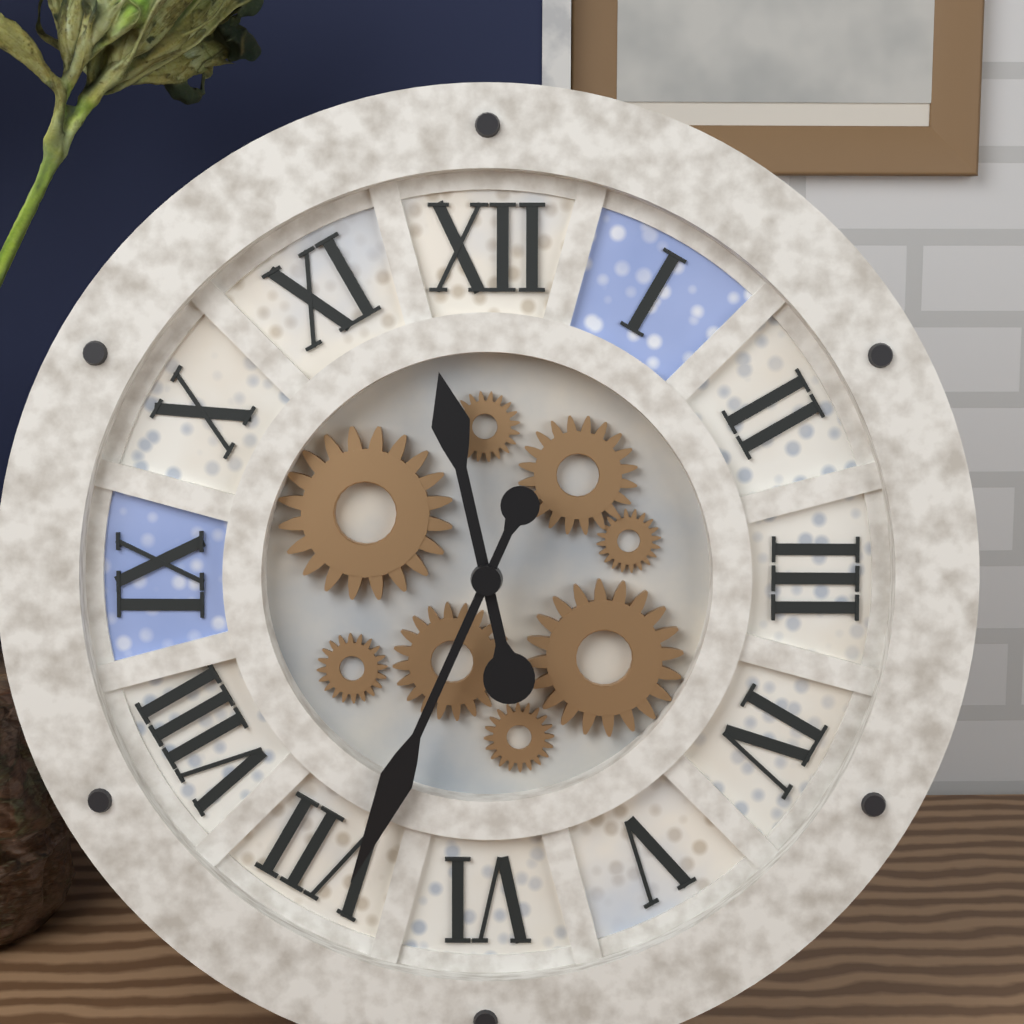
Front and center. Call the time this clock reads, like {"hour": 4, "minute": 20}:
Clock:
{"hour": 11, "minute": 34}
